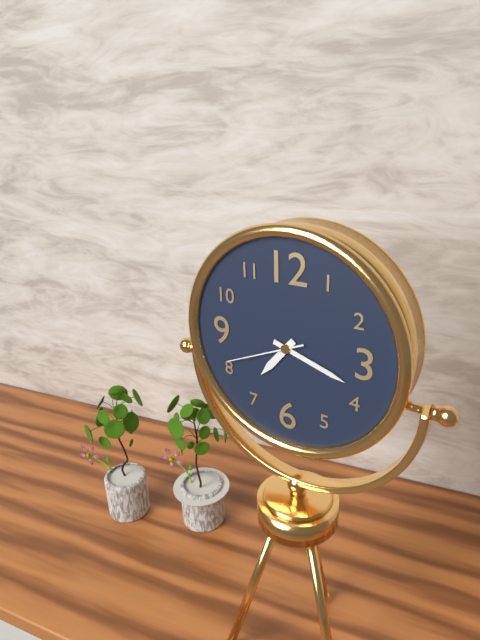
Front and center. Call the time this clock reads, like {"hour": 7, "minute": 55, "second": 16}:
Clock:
{"hour": 7, "minute": 18, "second": 41}
